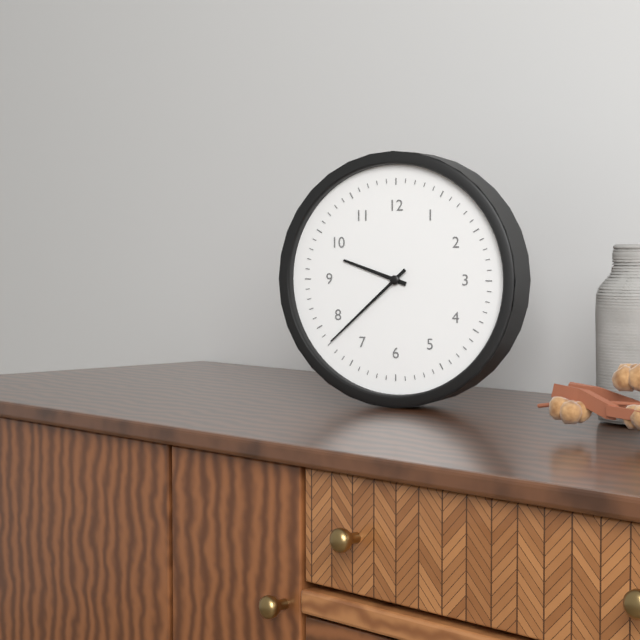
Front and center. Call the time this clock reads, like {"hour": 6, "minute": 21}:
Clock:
{"hour": 9, "minute": 38}
